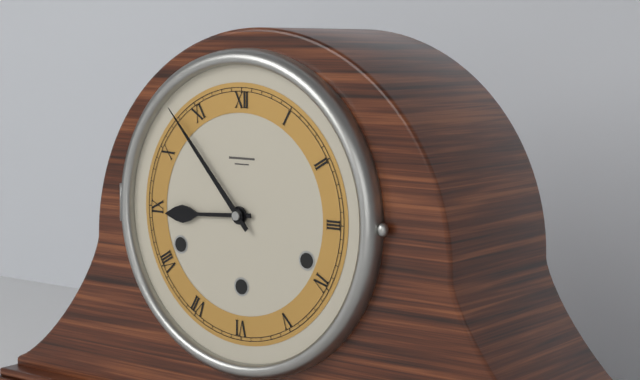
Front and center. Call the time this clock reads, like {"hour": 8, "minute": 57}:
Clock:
{"hour": 8, "minute": 53}
